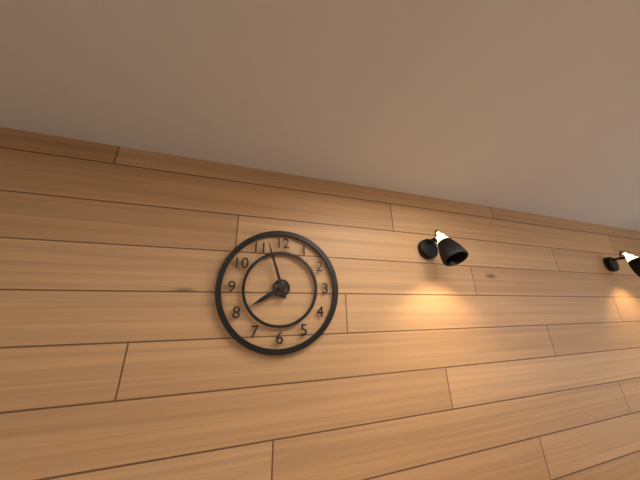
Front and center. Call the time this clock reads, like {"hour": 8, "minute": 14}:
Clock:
{"hour": 7, "minute": 57}
